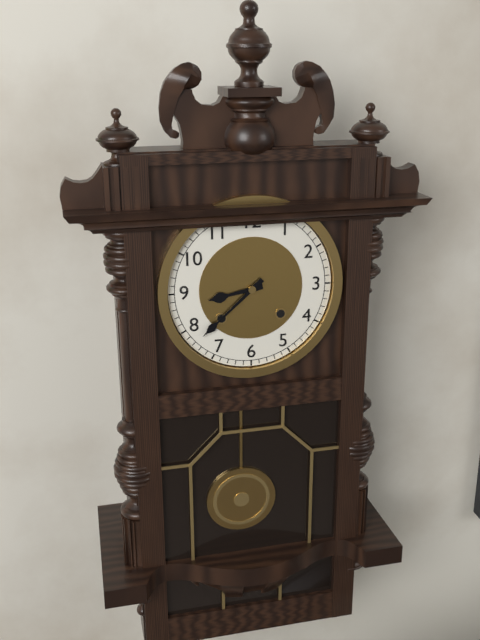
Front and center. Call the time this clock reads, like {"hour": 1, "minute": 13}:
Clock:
{"hour": 8, "minute": 38}
